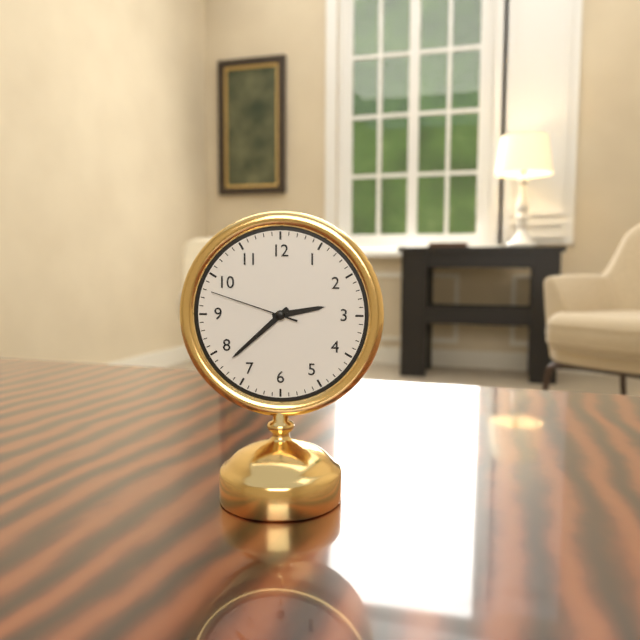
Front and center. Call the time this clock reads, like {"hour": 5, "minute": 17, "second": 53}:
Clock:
{"hour": 2, "minute": 38, "second": 48}
